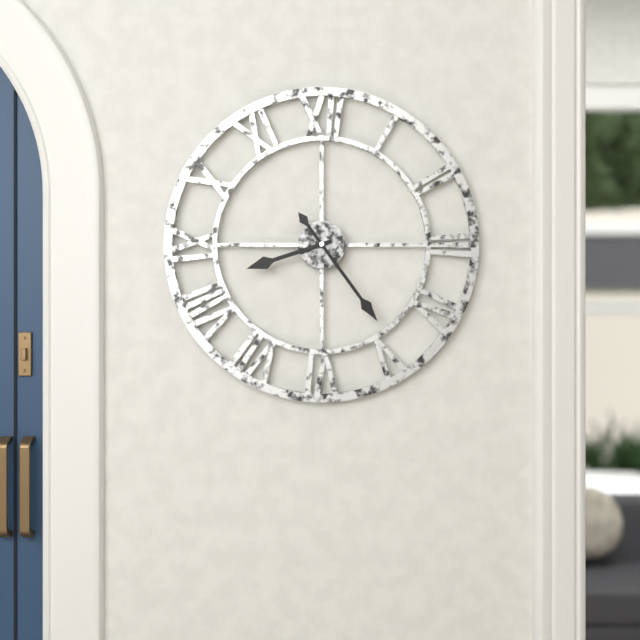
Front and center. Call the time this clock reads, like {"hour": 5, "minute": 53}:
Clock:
{"hour": 8, "minute": 24}
